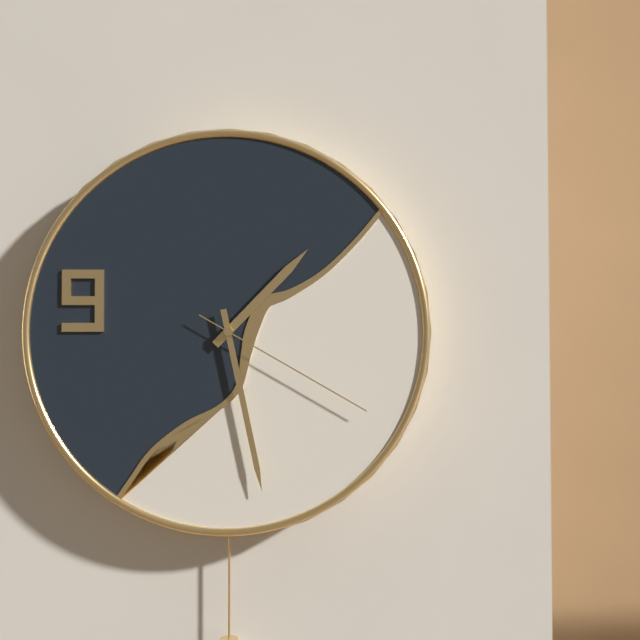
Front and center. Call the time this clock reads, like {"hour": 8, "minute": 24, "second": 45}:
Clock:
{"hour": 1, "minute": 28, "second": 20}
